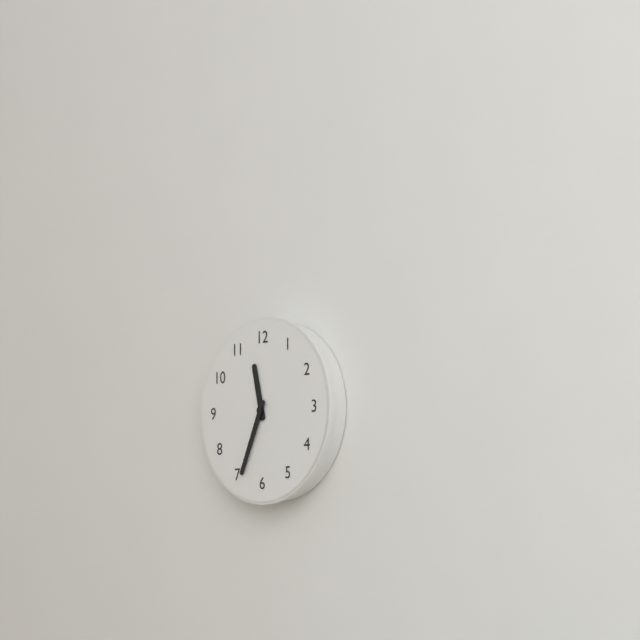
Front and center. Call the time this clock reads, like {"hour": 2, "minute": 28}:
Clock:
{"hour": 11, "minute": 34}
